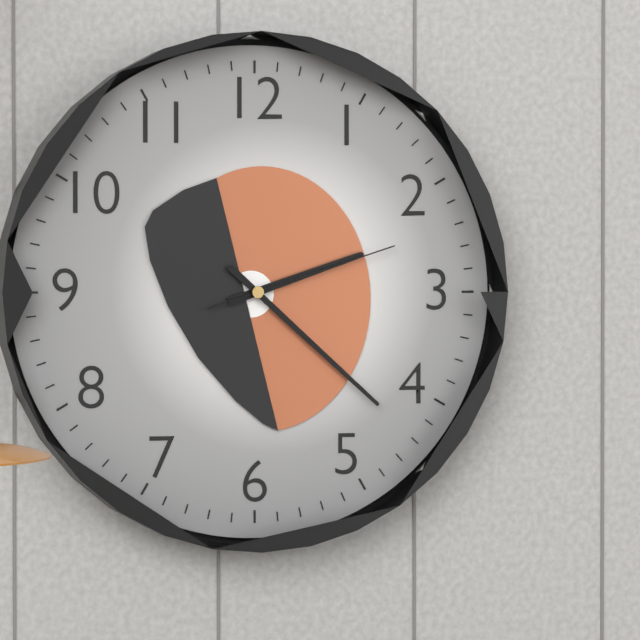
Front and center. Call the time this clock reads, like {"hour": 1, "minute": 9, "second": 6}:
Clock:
{"hour": 2, "minute": 22, "second": 12}
